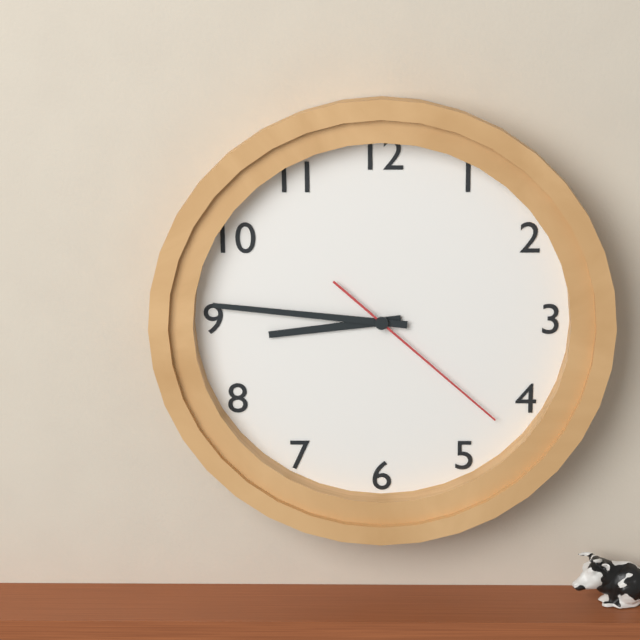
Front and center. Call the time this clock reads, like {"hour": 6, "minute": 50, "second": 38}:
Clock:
{"hour": 8, "minute": 46, "second": 22}
